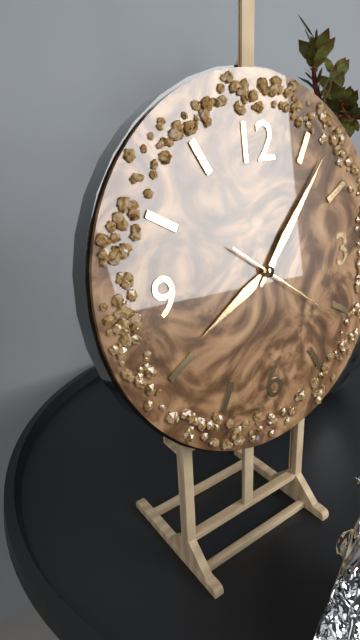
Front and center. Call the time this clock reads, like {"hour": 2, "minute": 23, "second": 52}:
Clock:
{"hour": 8, "minute": 7, "second": 21}
